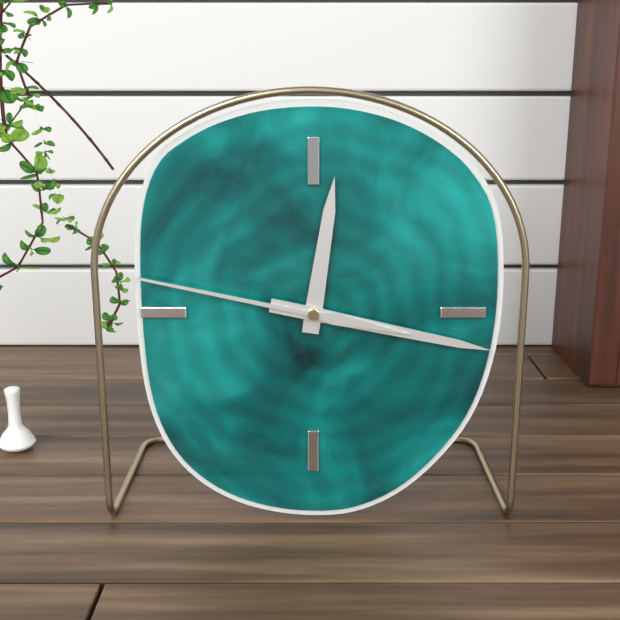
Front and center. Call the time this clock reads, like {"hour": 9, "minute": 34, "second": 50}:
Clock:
{"hour": 12, "minute": 17, "second": 47}
